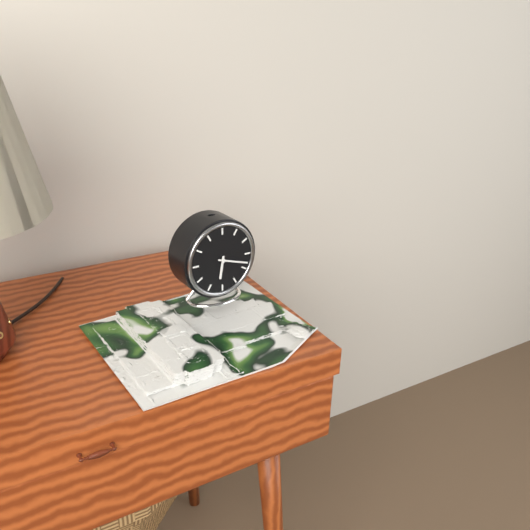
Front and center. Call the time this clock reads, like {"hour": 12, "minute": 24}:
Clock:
{"hour": 6, "minute": 18}
